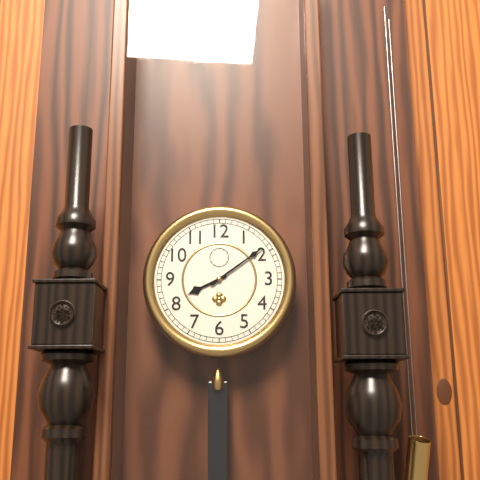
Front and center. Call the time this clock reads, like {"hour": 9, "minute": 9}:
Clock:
{"hour": 8, "minute": 9}
